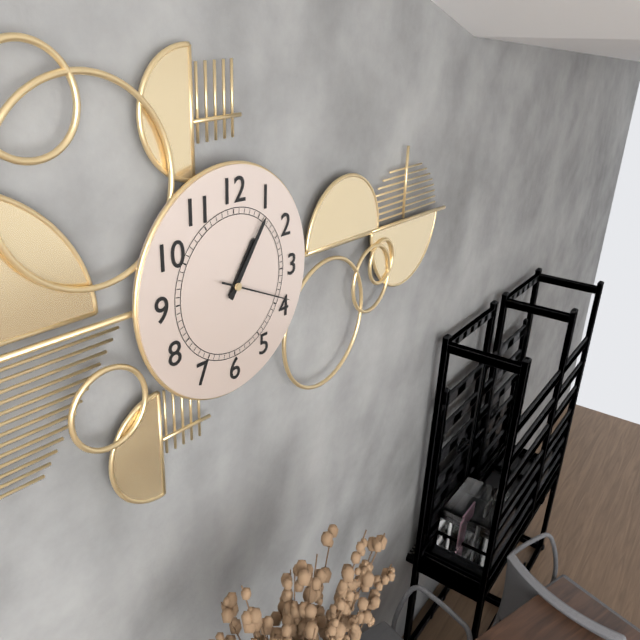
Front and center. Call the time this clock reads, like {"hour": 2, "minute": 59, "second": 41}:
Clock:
{"hour": 1, "minute": 6, "second": 19}
